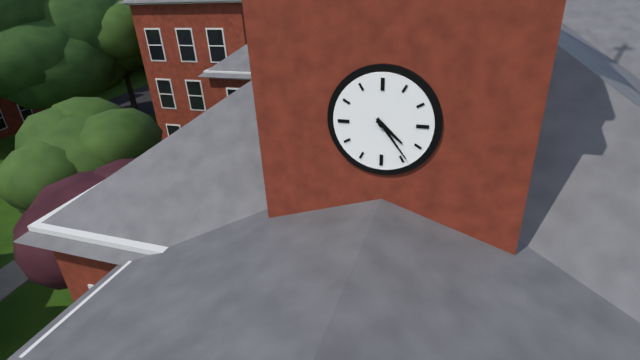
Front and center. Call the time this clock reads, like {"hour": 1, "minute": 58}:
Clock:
{"hour": 4, "minute": 24}
